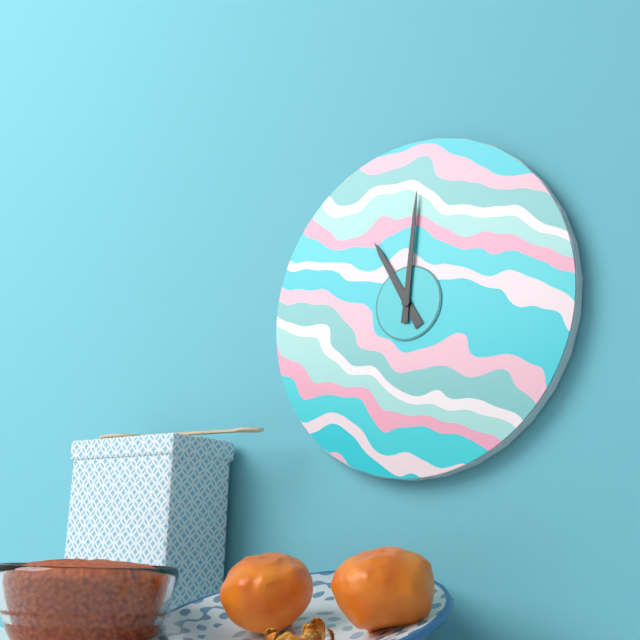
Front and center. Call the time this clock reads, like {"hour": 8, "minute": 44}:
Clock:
{"hour": 11, "minute": 1}
